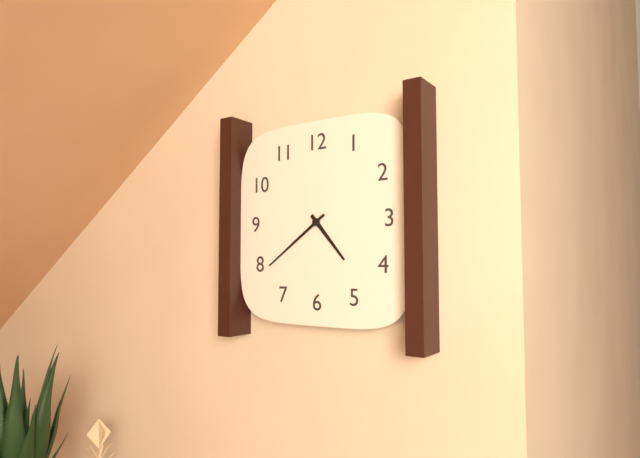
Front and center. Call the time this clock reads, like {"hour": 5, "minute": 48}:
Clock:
{"hour": 4, "minute": 39}
